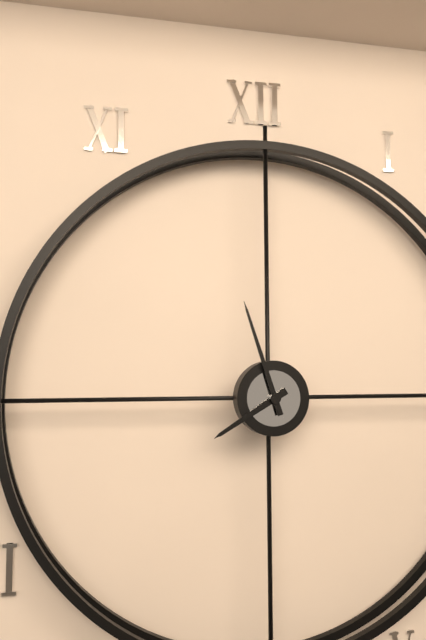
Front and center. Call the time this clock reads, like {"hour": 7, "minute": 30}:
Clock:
{"hour": 7, "minute": 57}
